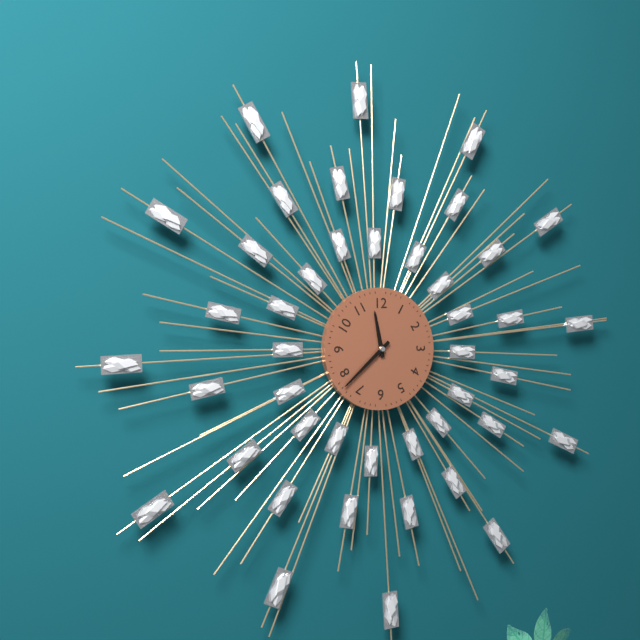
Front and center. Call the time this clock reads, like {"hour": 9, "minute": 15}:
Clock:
{"hour": 11, "minute": 38}
